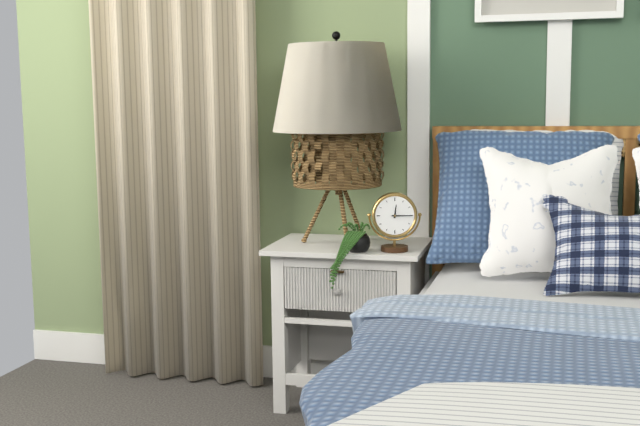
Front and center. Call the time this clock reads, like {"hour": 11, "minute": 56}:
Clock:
{"hour": 12, "minute": 15}
